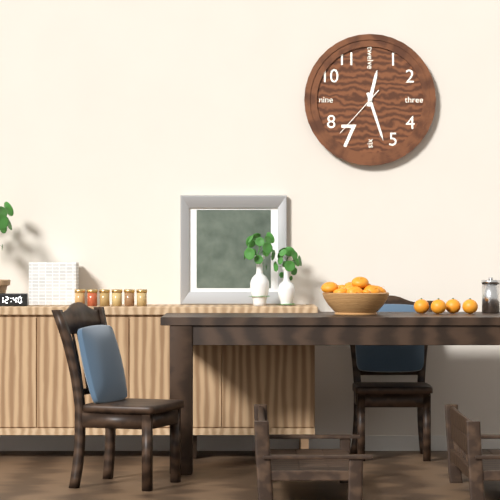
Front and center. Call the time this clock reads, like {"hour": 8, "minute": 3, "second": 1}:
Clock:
{"hour": 12, "minute": 27, "second": 37}
